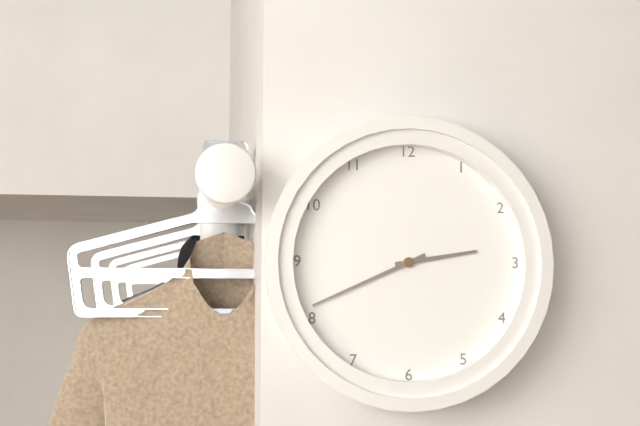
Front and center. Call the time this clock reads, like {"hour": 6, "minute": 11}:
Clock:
{"hour": 2, "minute": 41}
